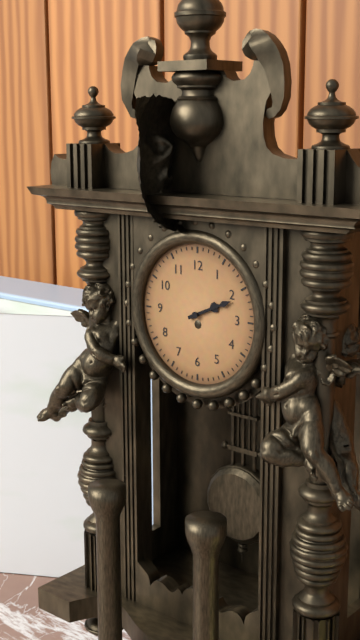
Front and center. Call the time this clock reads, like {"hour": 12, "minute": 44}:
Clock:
{"hour": 2, "minute": 11}
